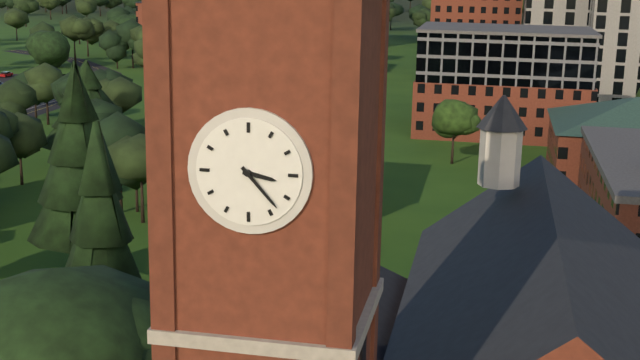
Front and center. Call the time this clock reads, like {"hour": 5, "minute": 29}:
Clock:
{"hour": 3, "minute": 23}
